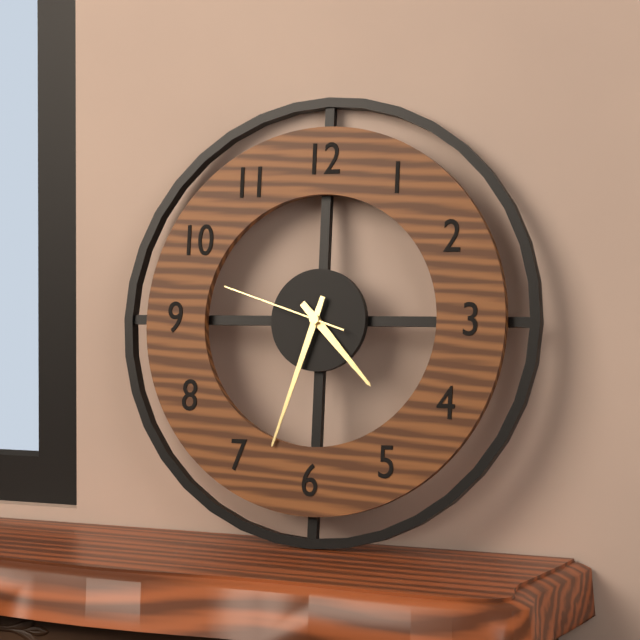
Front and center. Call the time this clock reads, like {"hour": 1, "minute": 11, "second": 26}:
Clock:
{"hour": 4, "minute": 33, "second": 48}
